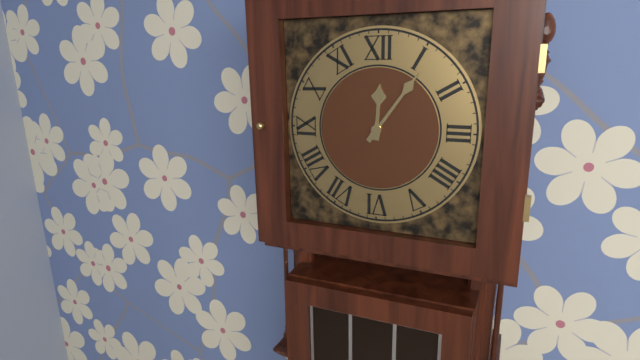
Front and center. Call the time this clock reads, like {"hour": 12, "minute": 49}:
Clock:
{"hour": 12, "minute": 6}
